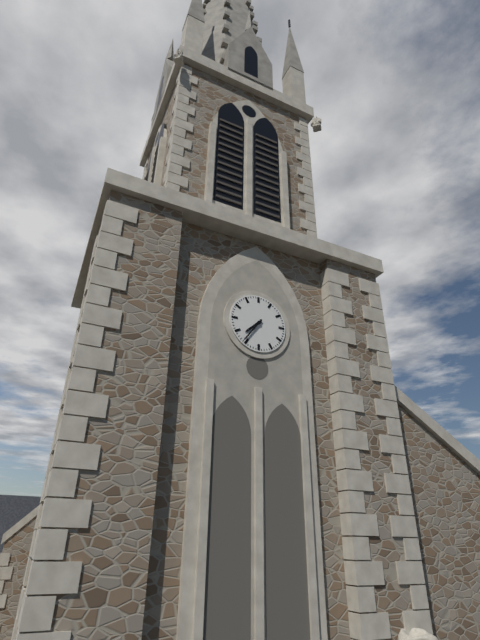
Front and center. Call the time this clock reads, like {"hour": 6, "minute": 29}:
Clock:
{"hour": 7, "minute": 36}
